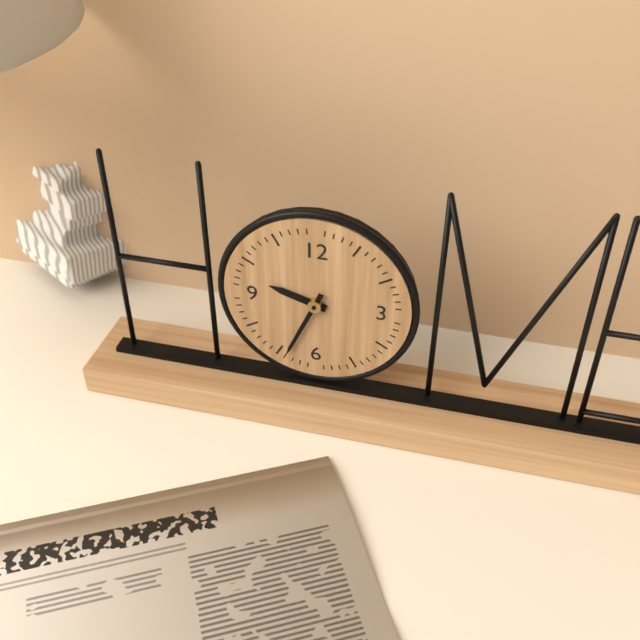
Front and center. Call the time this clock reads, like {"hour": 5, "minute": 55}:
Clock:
{"hour": 9, "minute": 34}
